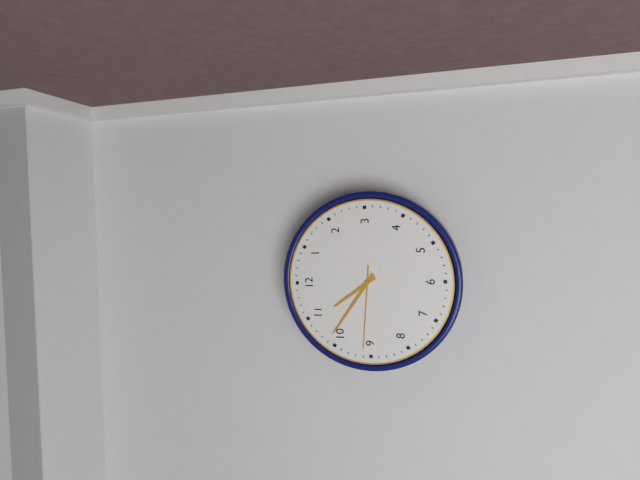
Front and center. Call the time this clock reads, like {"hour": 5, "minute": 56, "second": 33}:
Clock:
{"hour": 10, "minute": 51, "second": 46}
